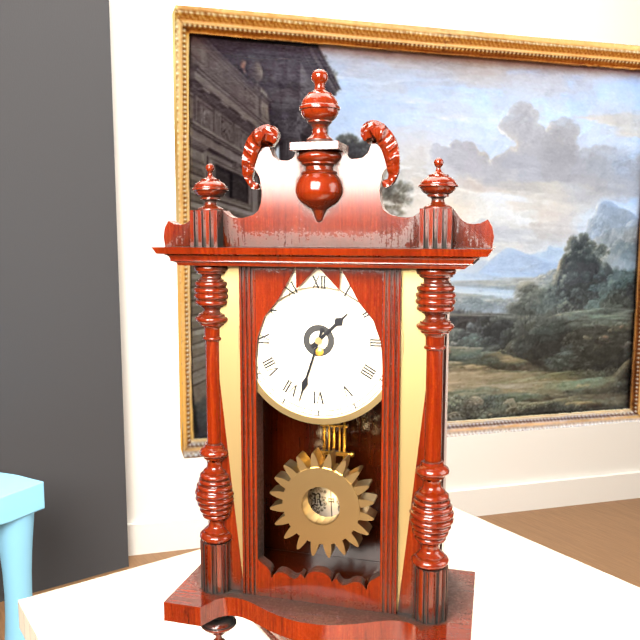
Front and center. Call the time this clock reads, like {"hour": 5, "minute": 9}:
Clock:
{"hour": 1, "minute": 33}
